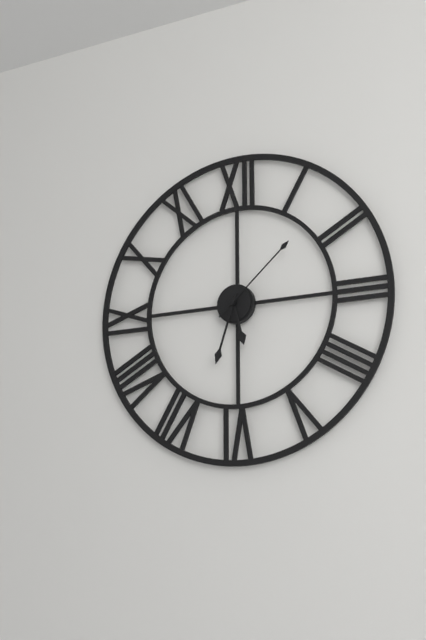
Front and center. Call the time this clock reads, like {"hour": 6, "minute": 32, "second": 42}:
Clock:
{"hour": 5, "minute": 33, "second": 8}
